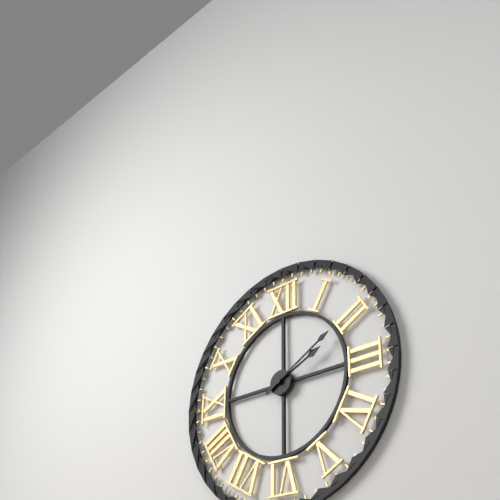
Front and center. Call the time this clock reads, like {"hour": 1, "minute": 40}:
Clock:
{"hour": 2, "minute": 10}
